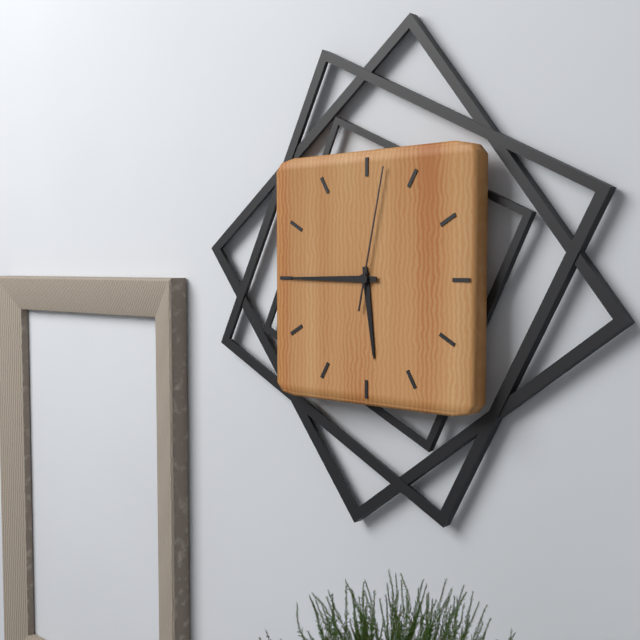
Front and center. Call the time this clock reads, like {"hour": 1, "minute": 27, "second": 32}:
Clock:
{"hour": 5, "minute": 45, "second": 2}
